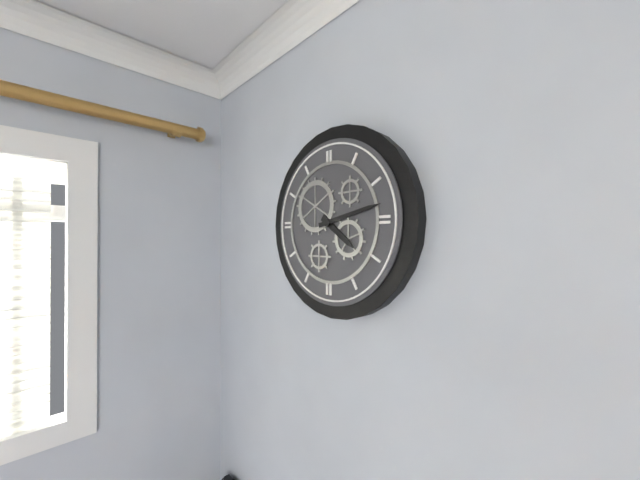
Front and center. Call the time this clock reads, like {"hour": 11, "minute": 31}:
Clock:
{"hour": 4, "minute": 13}
